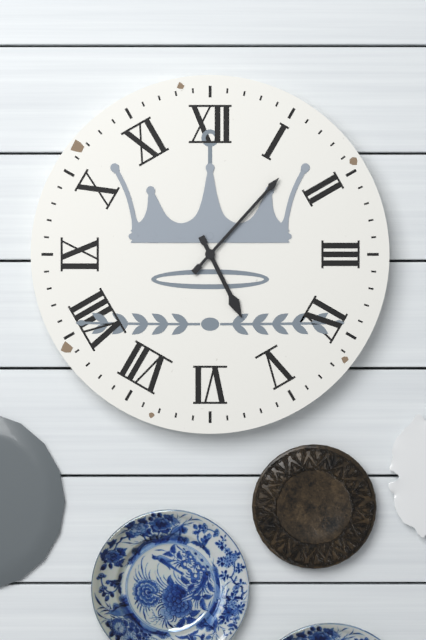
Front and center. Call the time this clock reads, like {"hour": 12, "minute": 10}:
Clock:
{"hour": 5, "minute": 7}
